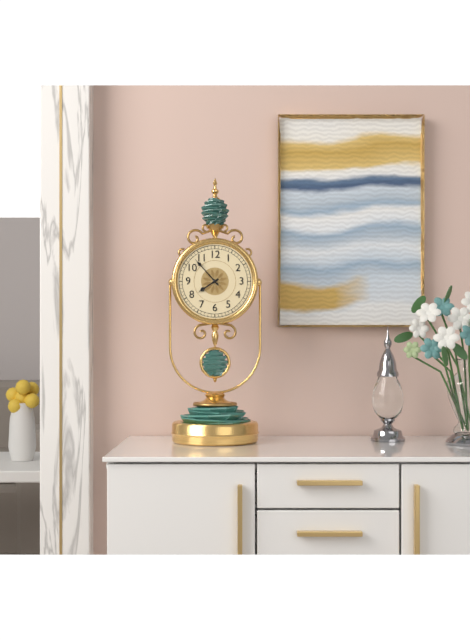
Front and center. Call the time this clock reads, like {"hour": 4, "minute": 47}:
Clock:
{"hour": 7, "minute": 53}
